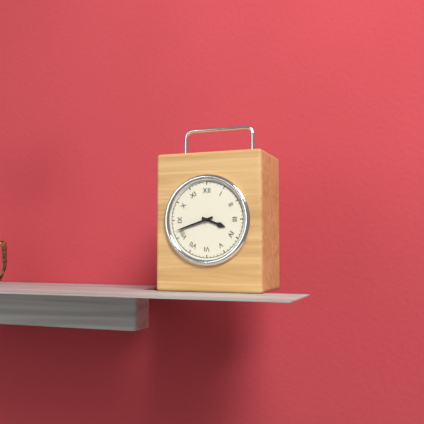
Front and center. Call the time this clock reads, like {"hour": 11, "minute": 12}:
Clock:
{"hour": 3, "minute": 42}
